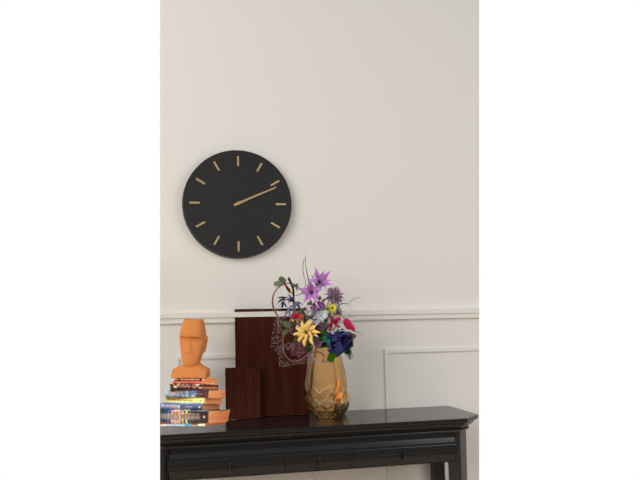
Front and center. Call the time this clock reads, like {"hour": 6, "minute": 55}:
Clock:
{"hour": 2, "minute": 11}
